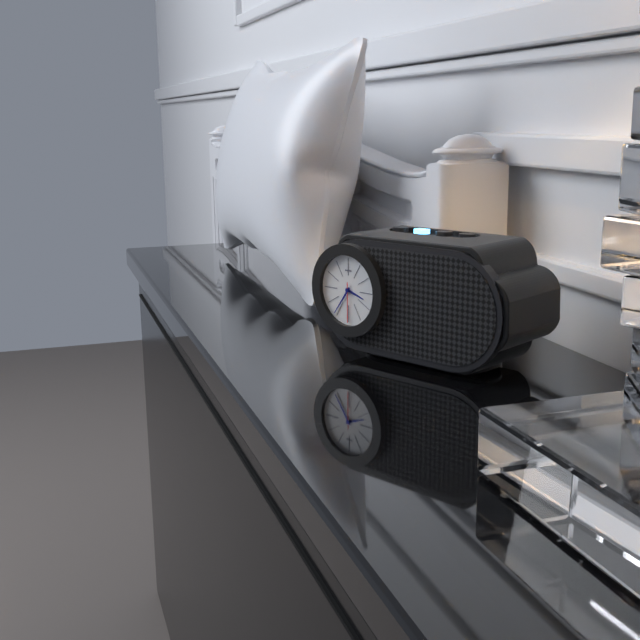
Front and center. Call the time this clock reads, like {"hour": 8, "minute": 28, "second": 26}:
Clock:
{"hour": 3, "minute": 36, "second": 30}
